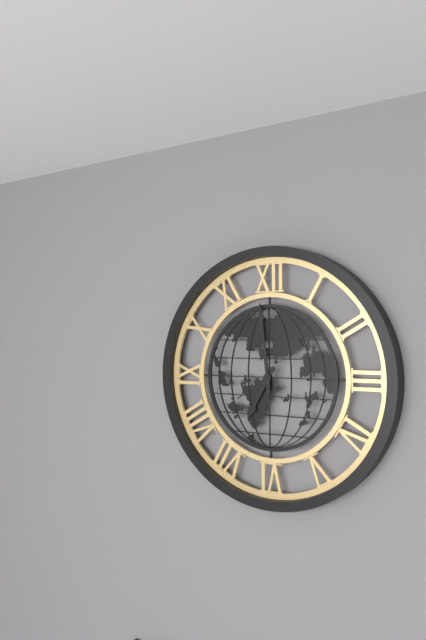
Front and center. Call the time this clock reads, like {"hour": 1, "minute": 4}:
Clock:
{"hour": 6, "minute": 59}
